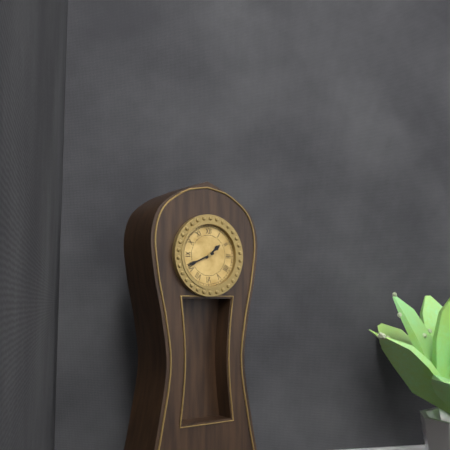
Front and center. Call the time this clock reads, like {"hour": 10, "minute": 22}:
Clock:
{"hour": 1, "minute": 41}
